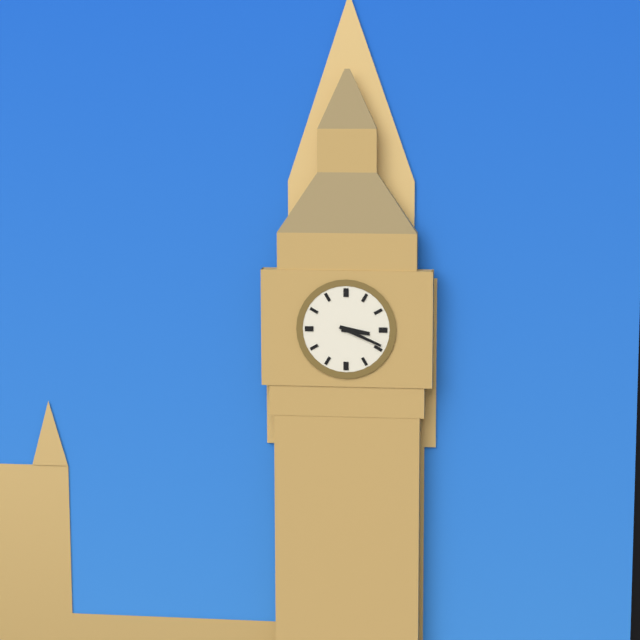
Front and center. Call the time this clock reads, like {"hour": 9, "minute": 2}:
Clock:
{"hour": 3, "minute": 19}
